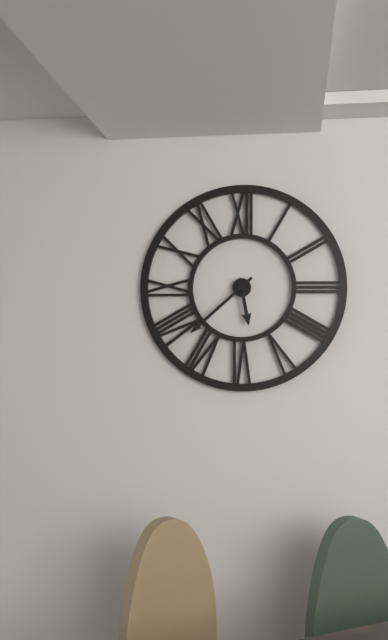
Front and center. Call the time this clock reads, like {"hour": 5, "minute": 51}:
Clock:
{"hour": 5, "minute": 38}
